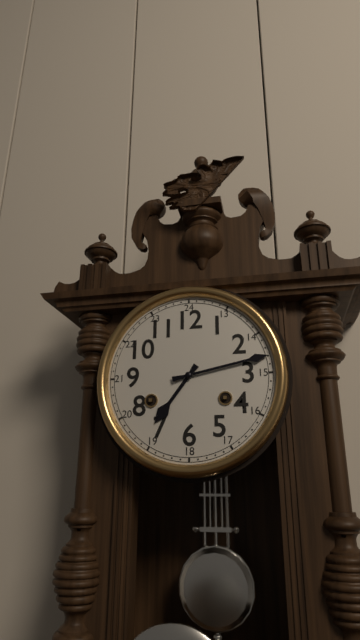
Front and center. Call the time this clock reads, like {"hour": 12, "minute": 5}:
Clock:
{"hour": 7, "minute": 13}
